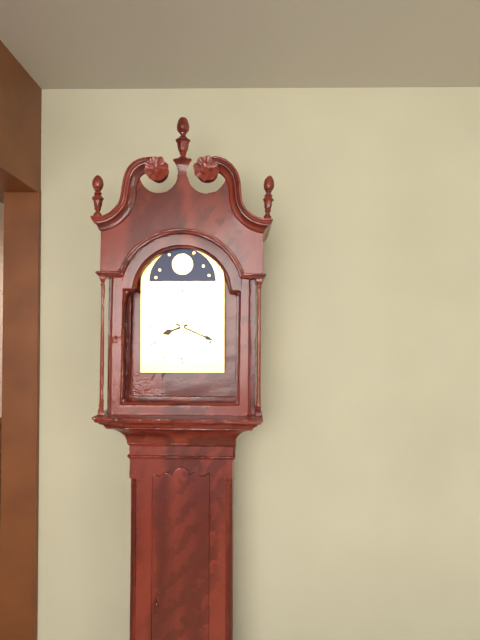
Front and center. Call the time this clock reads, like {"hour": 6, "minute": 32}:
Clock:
{"hour": 8, "minute": 19}
